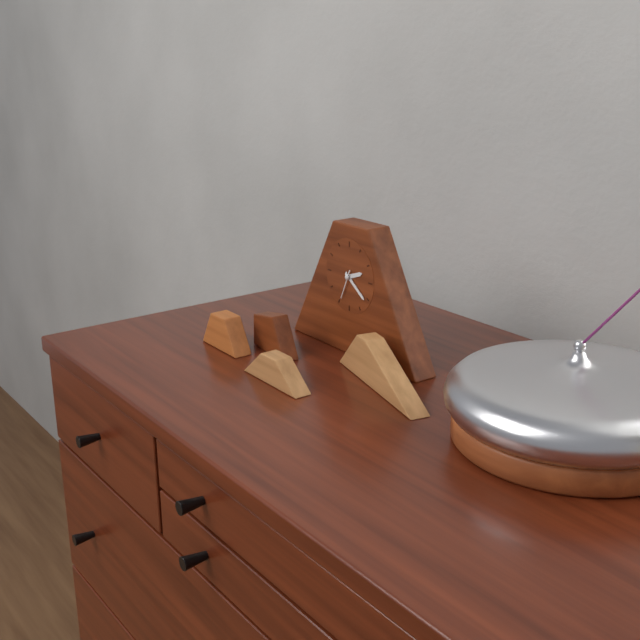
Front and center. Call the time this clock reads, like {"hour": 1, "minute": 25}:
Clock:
{"hour": 2, "minute": 21}
